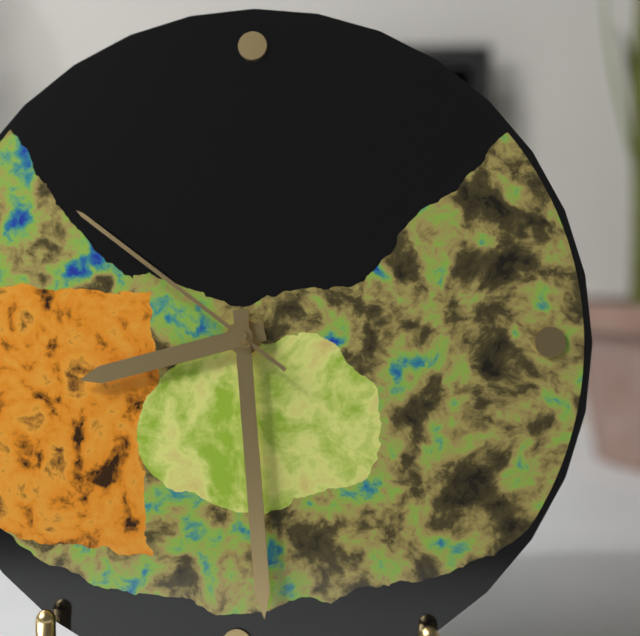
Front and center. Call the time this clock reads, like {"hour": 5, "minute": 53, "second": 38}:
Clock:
{"hour": 8, "minute": 29, "second": 51}
